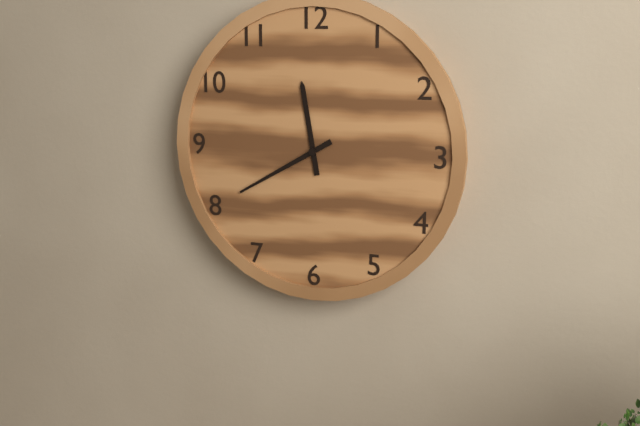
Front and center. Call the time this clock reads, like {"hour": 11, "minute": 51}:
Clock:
{"hour": 11, "minute": 40}
